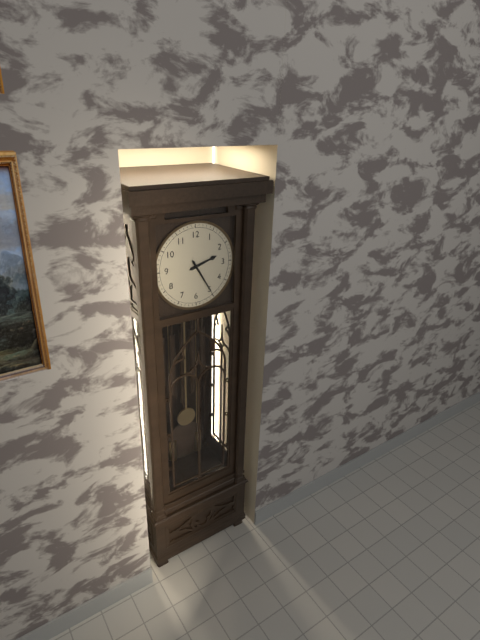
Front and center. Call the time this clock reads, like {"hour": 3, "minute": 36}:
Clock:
{"hour": 2, "minute": 25}
